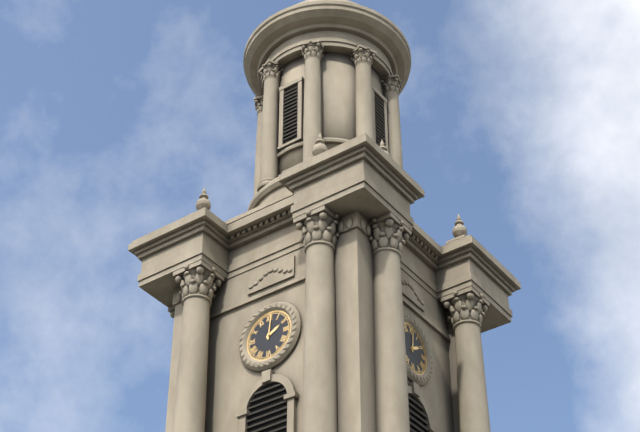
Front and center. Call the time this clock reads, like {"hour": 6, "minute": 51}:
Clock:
{"hour": 2, "minute": 1}
